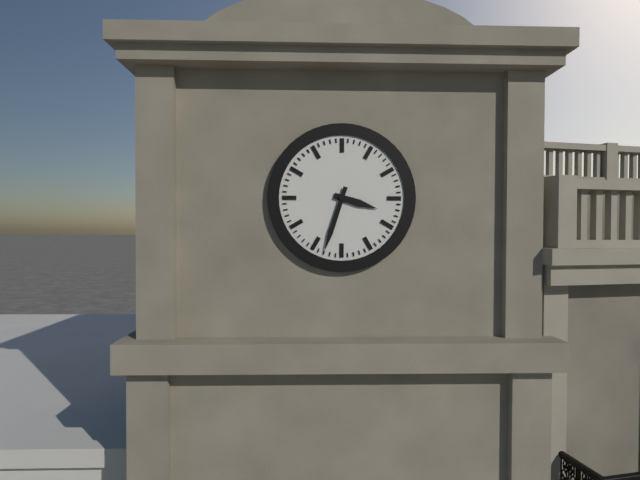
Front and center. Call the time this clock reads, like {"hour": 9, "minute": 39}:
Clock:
{"hour": 3, "minute": 33}
